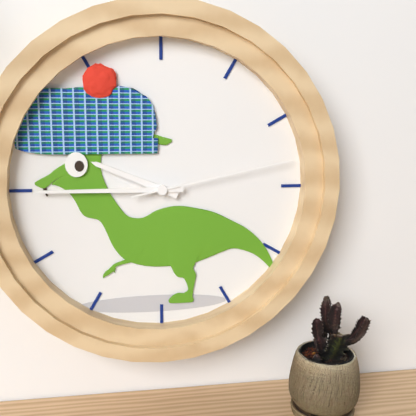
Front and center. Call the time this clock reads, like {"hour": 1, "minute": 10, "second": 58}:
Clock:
{"hour": 9, "minute": 45, "second": 13}
